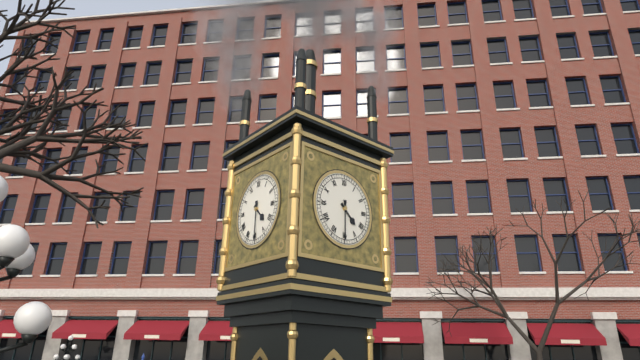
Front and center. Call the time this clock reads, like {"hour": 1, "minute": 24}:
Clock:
{"hour": 4, "minute": 30}
